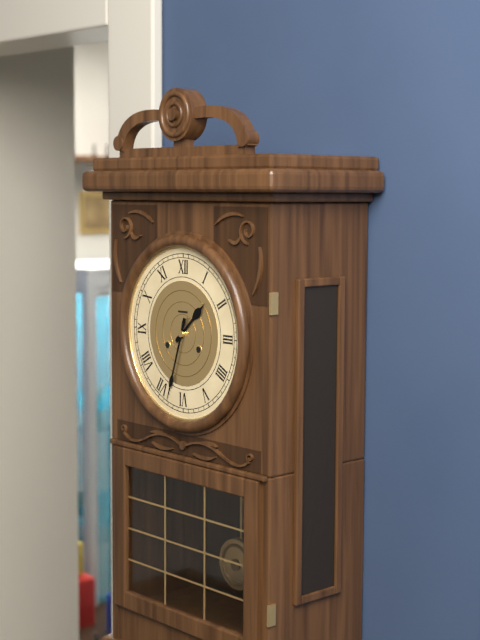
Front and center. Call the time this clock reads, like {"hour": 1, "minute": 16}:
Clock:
{"hour": 1, "minute": 33}
